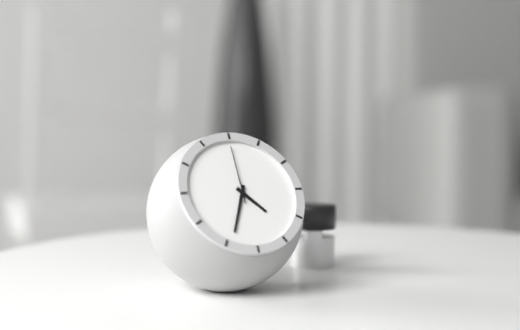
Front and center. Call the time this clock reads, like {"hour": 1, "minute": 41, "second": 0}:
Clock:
{"hour": 4, "minute": 34, "second": 0}
